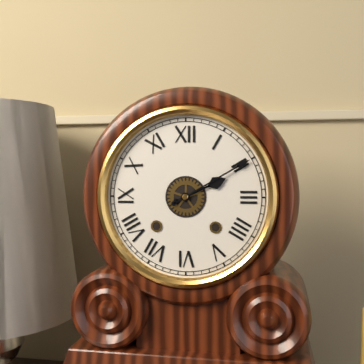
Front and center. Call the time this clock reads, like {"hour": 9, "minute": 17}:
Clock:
{"hour": 2, "minute": 10}
